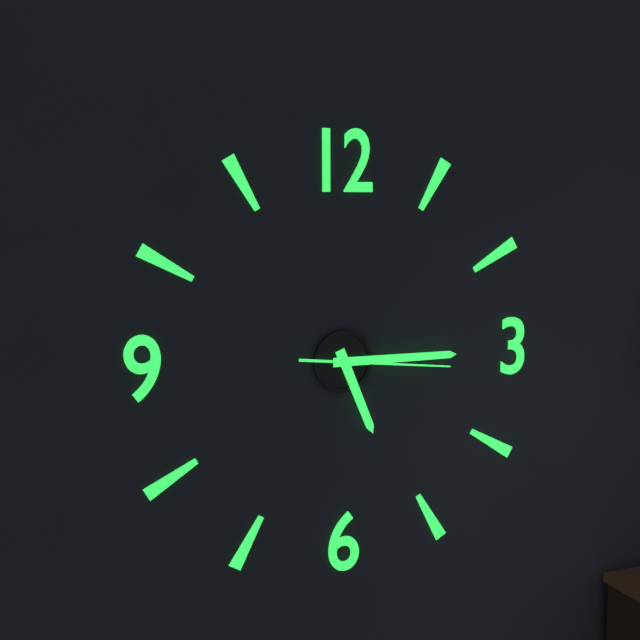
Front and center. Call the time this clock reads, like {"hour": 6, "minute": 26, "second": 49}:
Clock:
{"hour": 5, "minute": 15, "second": 16}
